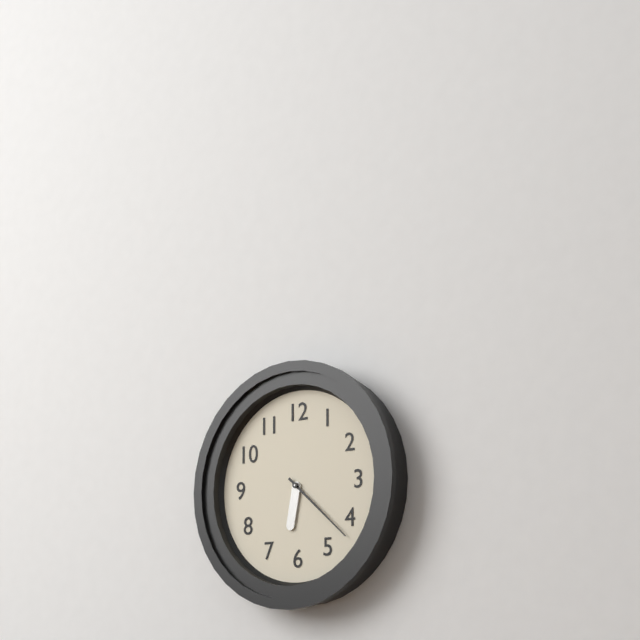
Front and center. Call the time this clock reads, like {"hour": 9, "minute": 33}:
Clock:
{"hour": 6, "minute": 22}
